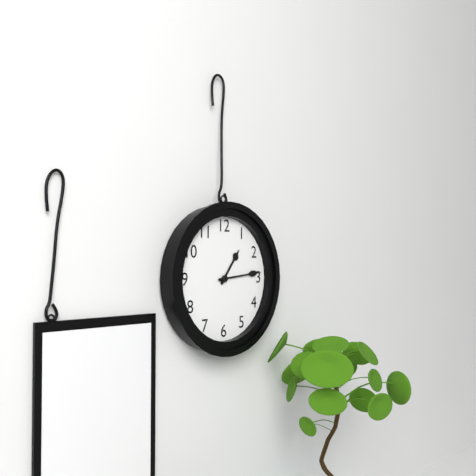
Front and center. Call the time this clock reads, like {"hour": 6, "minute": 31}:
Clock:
{"hour": 1, "minute": 14}
